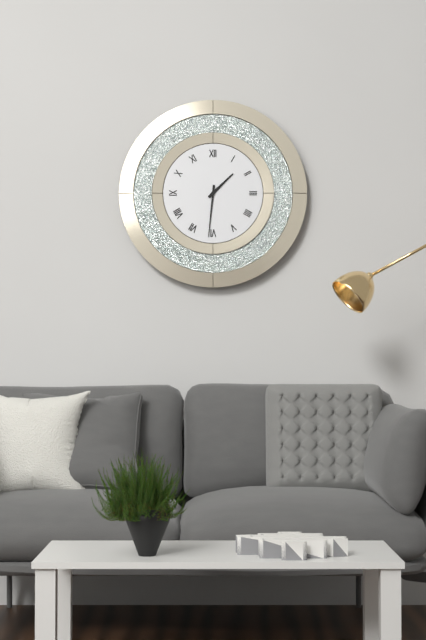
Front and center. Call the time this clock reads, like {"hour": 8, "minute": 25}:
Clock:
{"hour": 1, "minute": 31}
